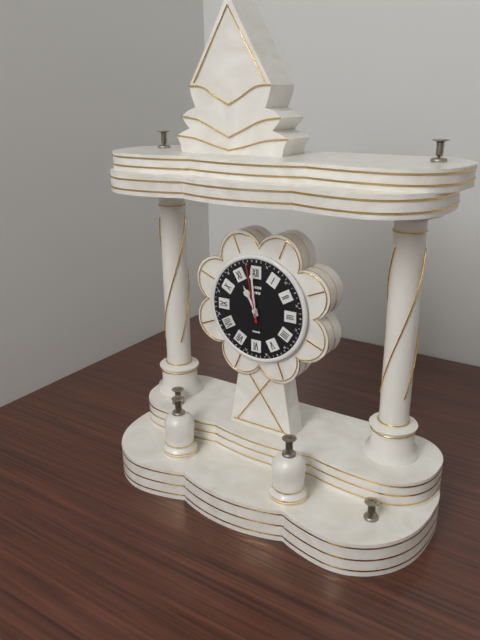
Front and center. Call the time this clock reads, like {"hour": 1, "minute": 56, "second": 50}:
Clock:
{"hour": 10, "minute": 59, "second": 58}
